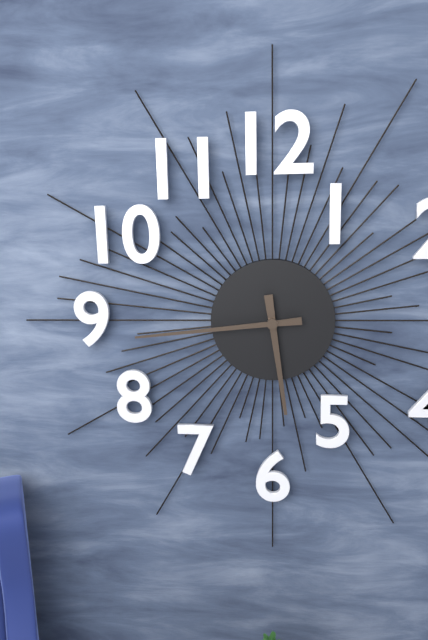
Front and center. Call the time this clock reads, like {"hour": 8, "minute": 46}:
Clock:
{"hour": 5, "minute": 44}
